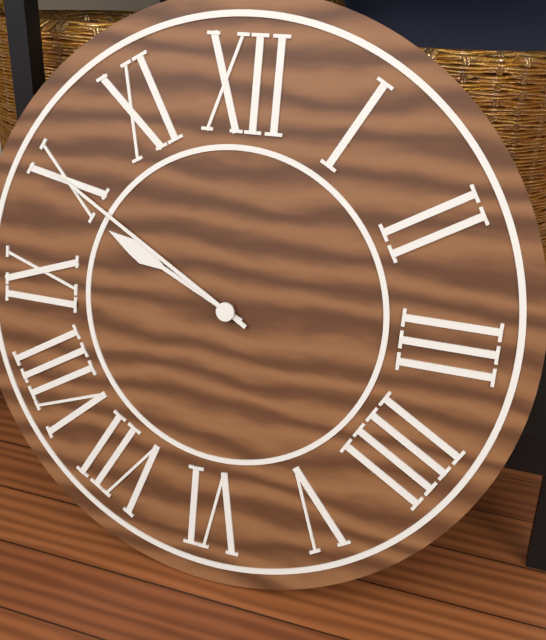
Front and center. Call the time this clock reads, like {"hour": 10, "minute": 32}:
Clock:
{"hour": 9, "minute": 50}
